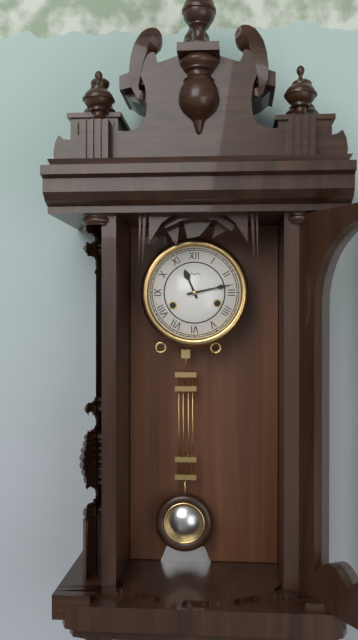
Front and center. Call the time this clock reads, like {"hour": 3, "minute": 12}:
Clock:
{"hour": 11, "minute": 13}
